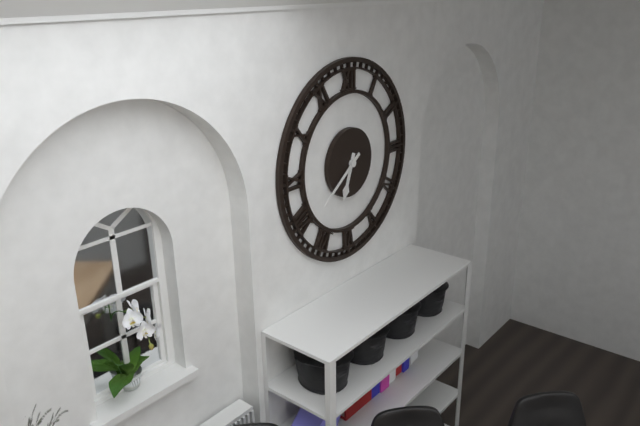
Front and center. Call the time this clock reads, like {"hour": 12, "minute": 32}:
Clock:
{"hour": 6, "minute": 39}
